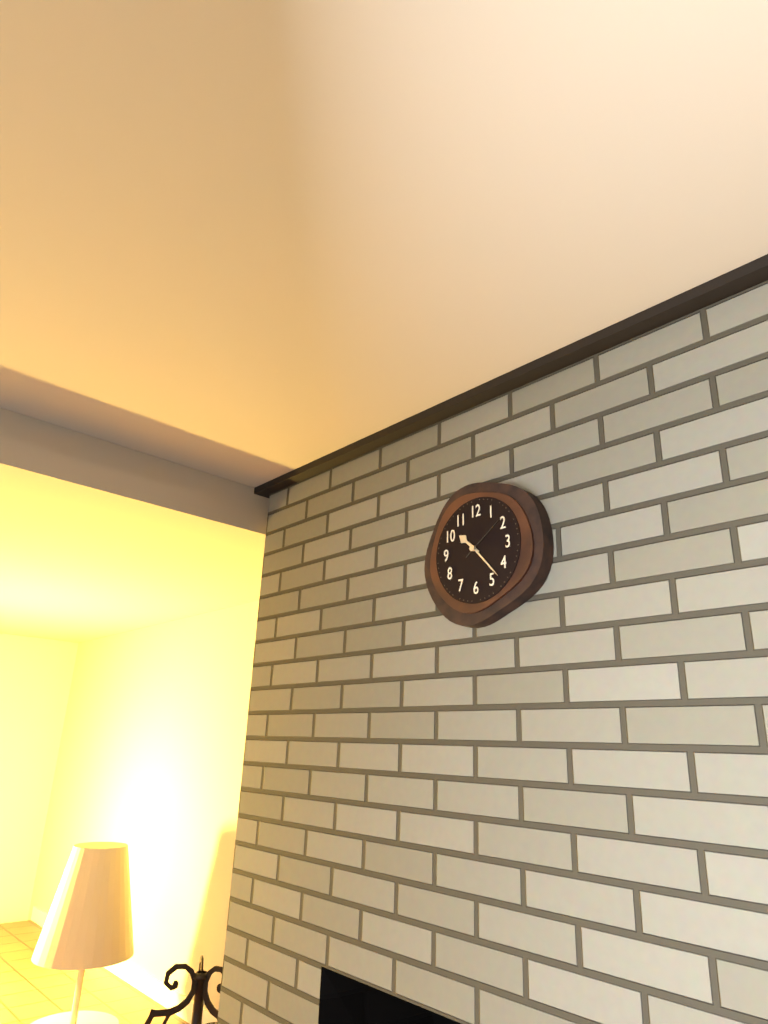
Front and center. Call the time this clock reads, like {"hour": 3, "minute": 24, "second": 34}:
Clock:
{"hour": 10, "minute": 23, "second": 9}
